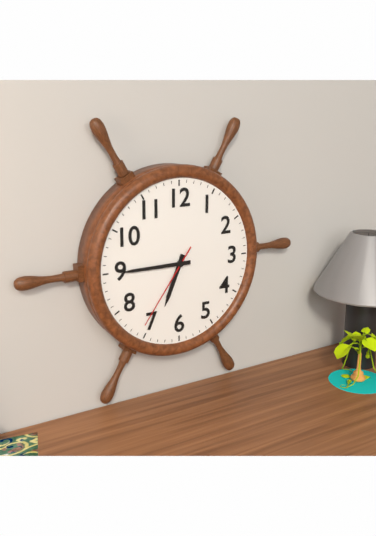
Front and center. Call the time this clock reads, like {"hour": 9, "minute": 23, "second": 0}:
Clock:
{"hour": 6, "minute": 45, "second": 36}
